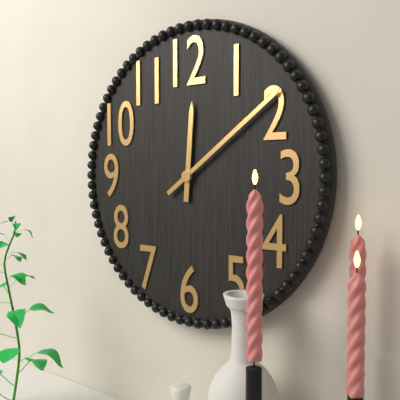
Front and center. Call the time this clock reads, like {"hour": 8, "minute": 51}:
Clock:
{"hour": 12, "minute": 9}
